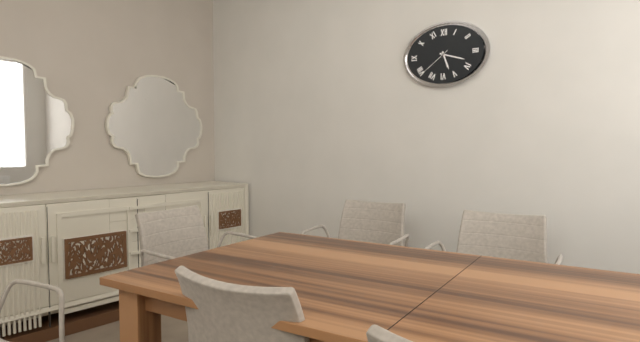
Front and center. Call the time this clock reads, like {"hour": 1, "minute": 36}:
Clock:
{"hour": 5, "minute": 18}
